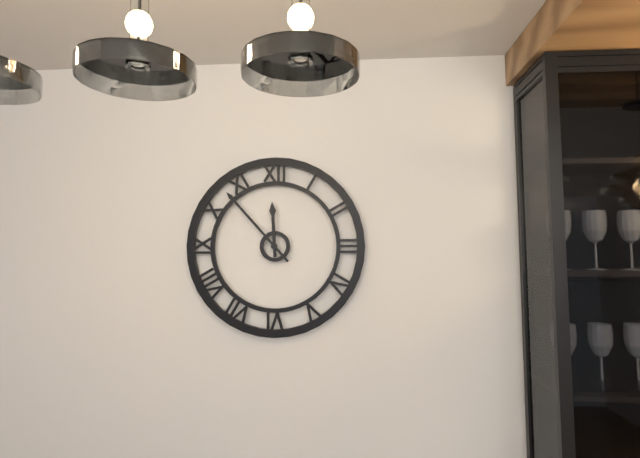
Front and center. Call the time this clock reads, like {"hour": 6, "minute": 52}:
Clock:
{"hour": 11, "minute": 53}
